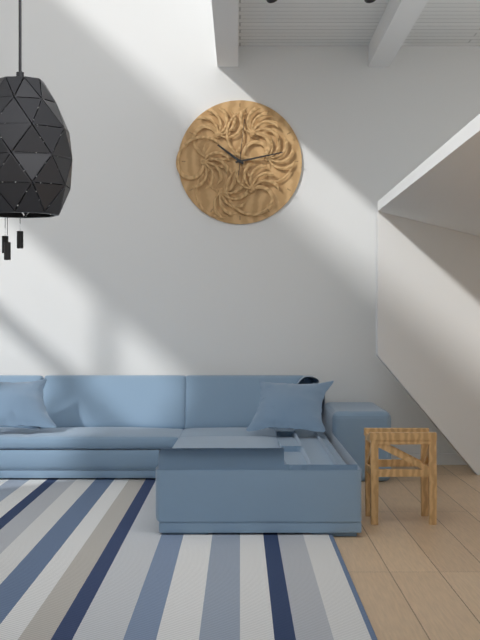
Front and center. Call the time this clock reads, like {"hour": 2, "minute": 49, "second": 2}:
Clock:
{"hour": 10, "minute": 13, "second": 1}
